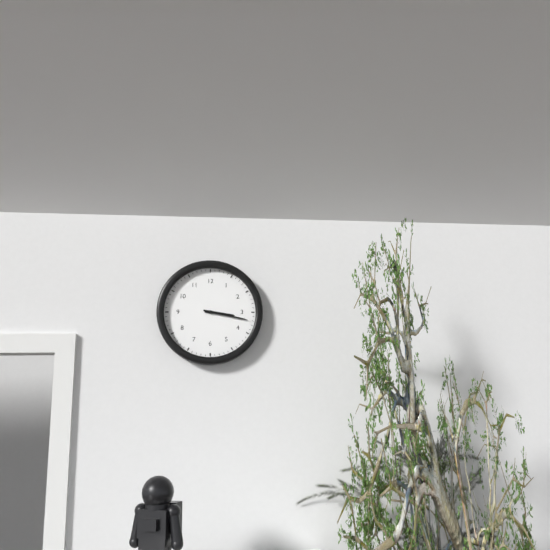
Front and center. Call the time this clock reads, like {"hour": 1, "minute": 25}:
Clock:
{"hour": 3, "minute": 17}
